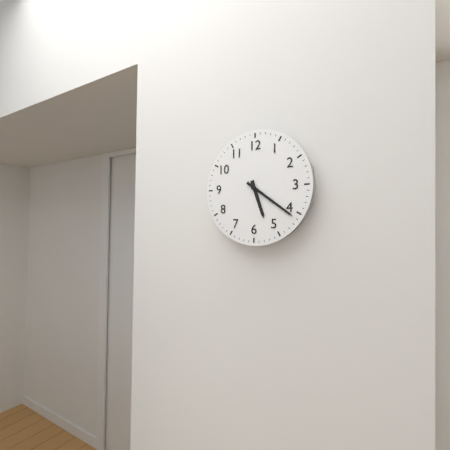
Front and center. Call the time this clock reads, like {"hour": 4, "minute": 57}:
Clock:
{"hour": 5, "minute": 21}
